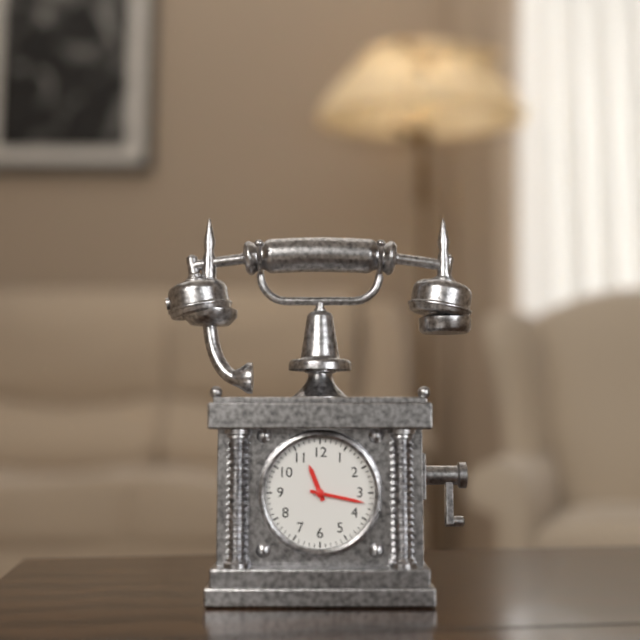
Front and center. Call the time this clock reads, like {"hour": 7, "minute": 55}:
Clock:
{"hour": 11, "minute": 17}
